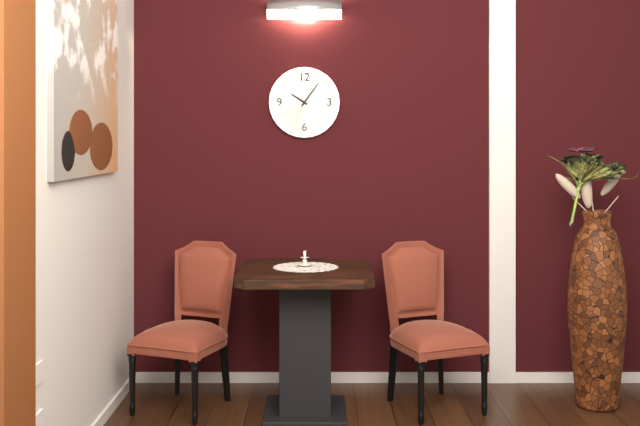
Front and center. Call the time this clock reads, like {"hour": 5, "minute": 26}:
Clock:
{"hour": 10, "minute": 6}
